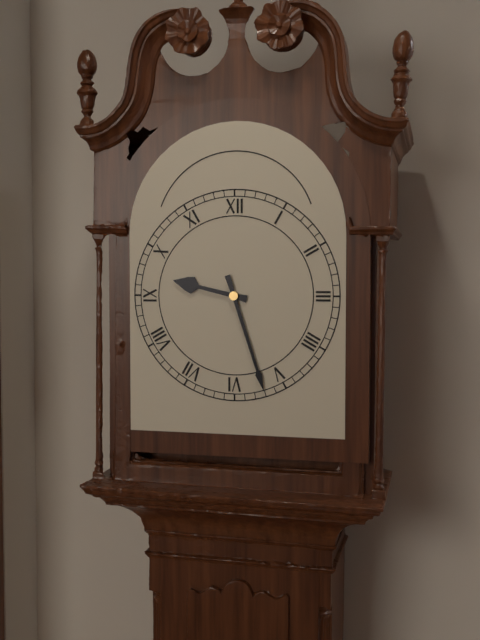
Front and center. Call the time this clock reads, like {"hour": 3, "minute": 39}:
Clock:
{"hour": 9, "minute": 27}
